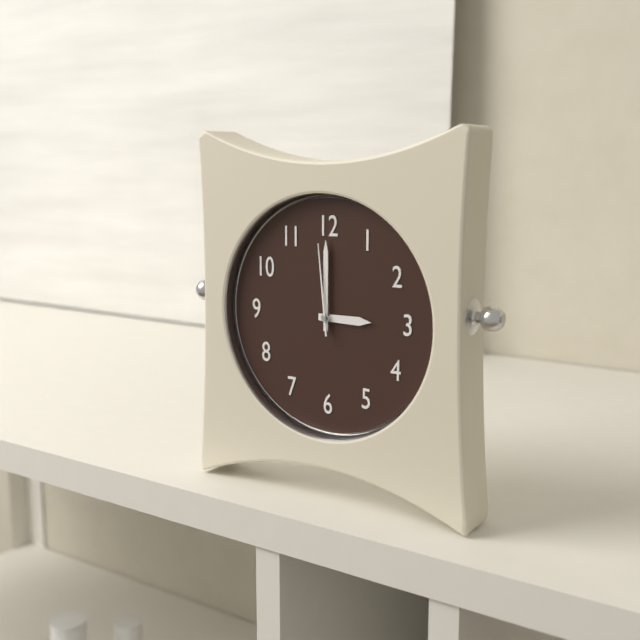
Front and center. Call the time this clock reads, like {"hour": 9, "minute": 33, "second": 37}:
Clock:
{"hour": 3, "minute": 0, "second": 59}
